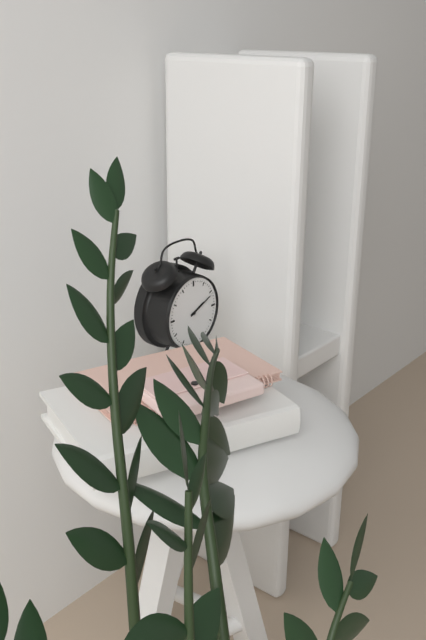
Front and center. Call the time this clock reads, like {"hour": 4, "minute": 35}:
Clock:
{"hour": 2, "minute": 11}
